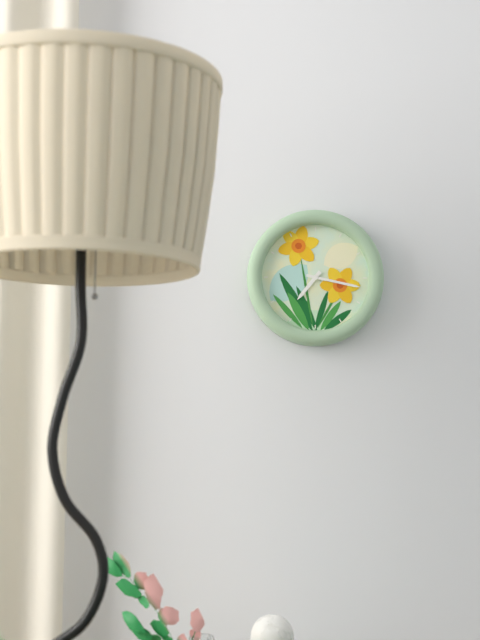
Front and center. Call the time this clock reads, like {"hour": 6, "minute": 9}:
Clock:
{"hour": 7, "minute": 17}
